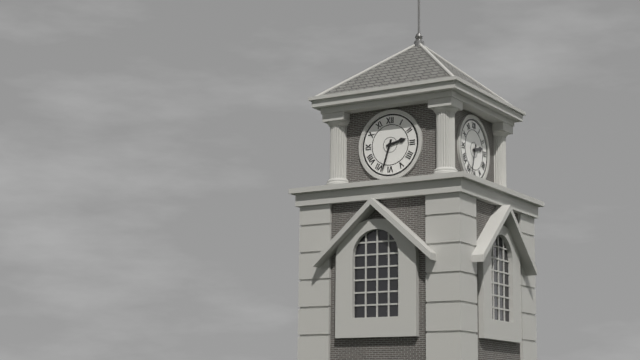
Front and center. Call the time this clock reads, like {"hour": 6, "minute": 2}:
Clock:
{"hour": 2, "minute": 33}
